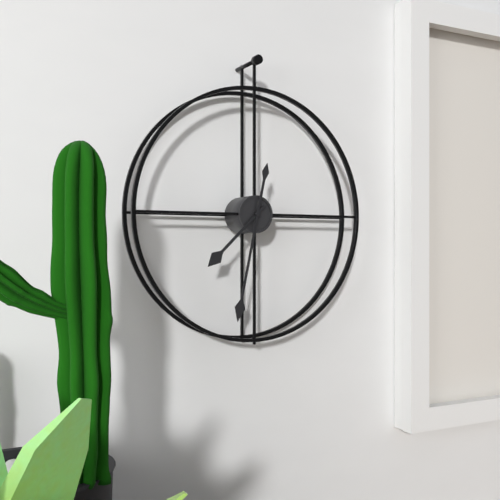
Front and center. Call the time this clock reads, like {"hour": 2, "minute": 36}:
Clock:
{"hour": 7, "minute": 32}
